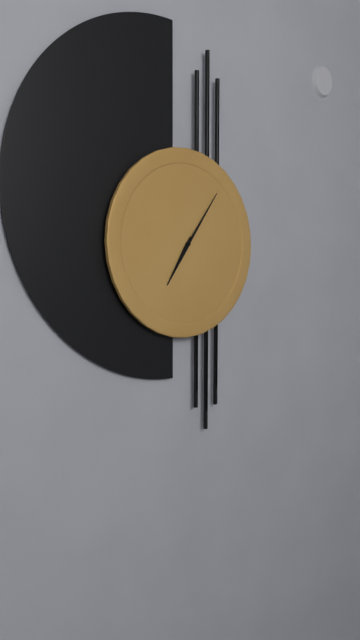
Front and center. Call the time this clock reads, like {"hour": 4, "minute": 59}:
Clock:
{"hour": 7, "minute": 6}
